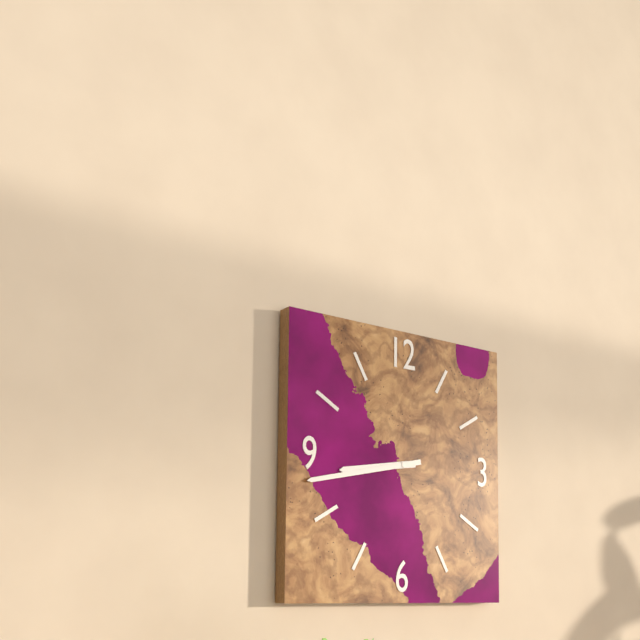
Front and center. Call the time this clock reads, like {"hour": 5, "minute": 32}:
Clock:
{"hour": 8, "minute": 43}
